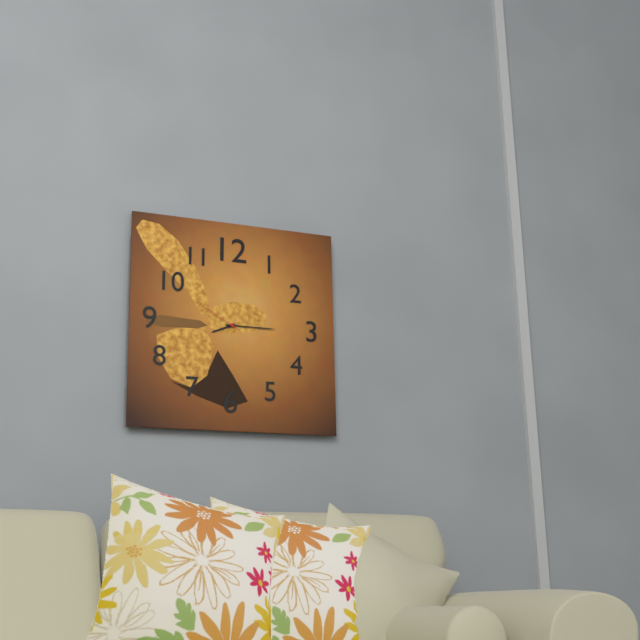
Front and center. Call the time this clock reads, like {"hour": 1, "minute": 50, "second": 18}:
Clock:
{"hour": 8, "minute": 15, "second": 50}
